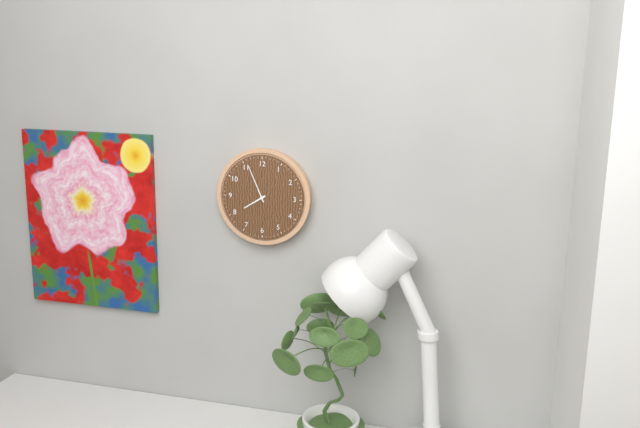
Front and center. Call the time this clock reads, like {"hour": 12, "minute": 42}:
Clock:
{"hour": 7, "minute": 56}
